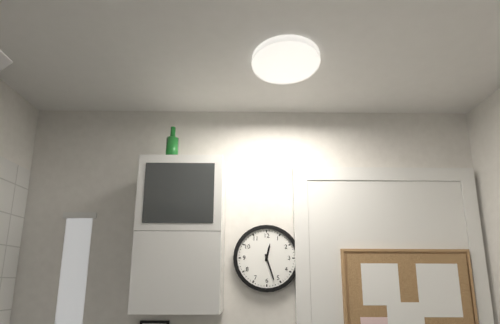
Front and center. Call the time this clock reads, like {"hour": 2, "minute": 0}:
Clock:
{"hour": 12, "minute": 27}
